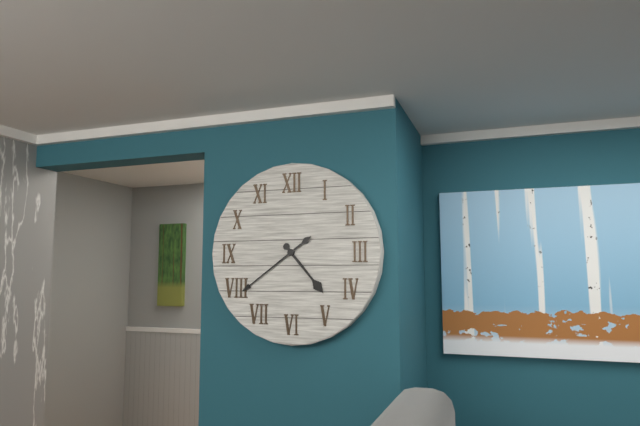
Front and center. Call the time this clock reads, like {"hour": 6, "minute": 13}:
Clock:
{"hour": 4, "minute": 39}
